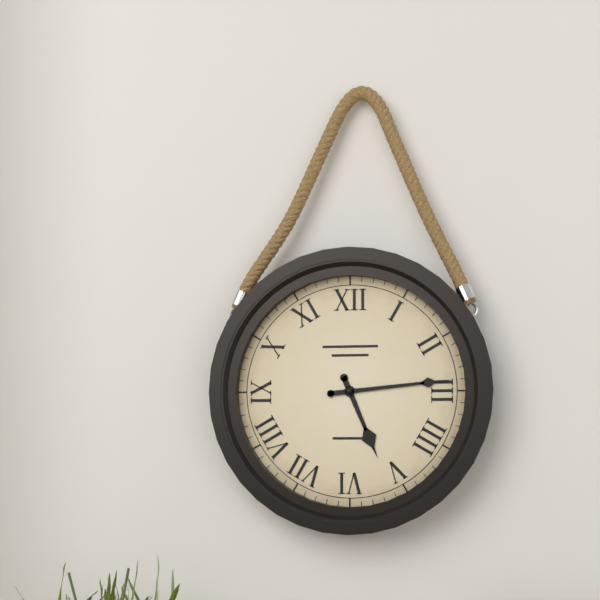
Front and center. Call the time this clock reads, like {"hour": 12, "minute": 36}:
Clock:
{"hour": 5, "minute": 14}
